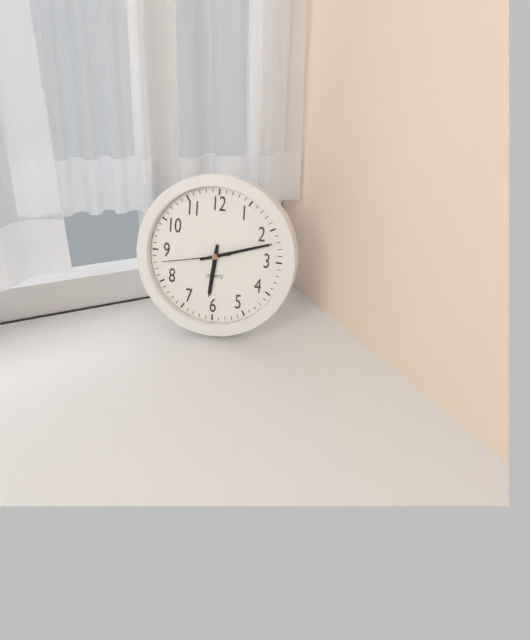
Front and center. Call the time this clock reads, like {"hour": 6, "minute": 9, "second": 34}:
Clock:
{"hour": 6, "minute": 12, "second": 43}
